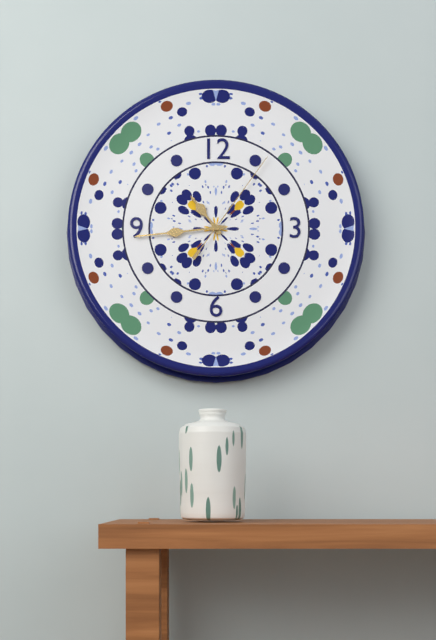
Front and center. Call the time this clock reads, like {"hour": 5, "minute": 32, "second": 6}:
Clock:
{"hour": 10, "minute": 44, "second": 6}
